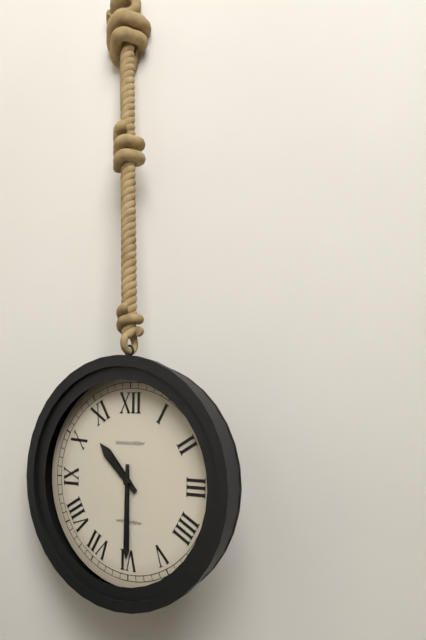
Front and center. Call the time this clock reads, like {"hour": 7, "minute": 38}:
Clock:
{"hour": 10, "minute": 30}
